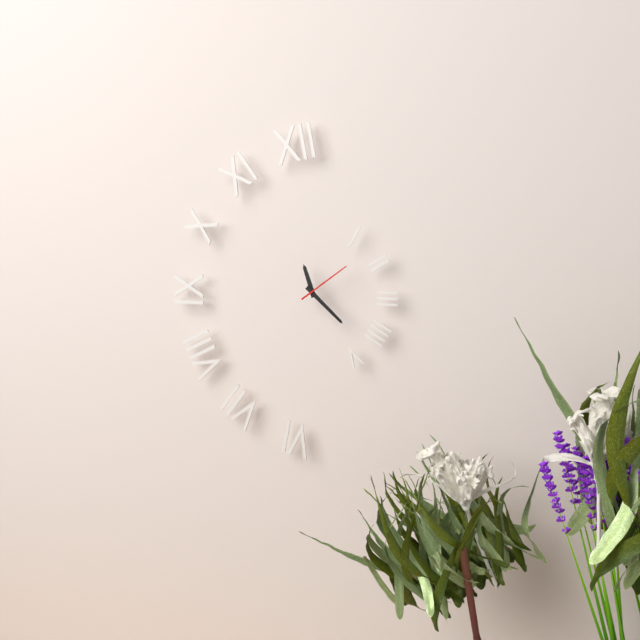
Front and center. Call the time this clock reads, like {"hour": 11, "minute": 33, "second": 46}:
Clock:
{"hour": 11, "minute": 22, "second": 9}
